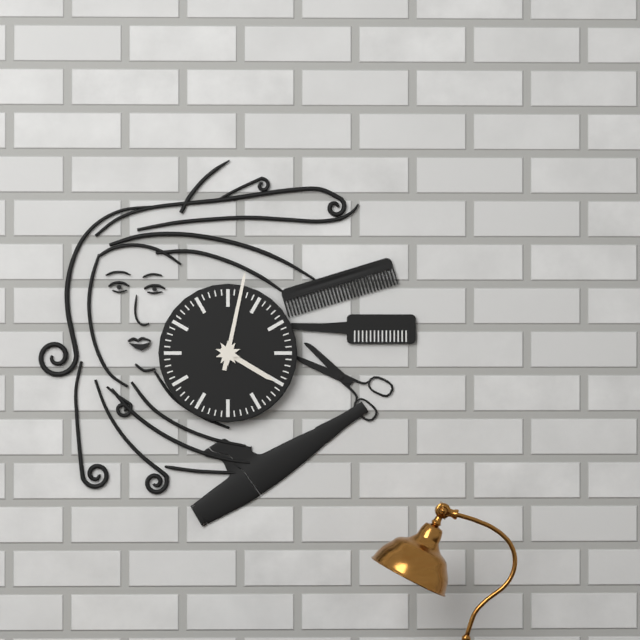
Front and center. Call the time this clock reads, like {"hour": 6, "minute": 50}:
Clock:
{"hour": 4, "minute": 2}
